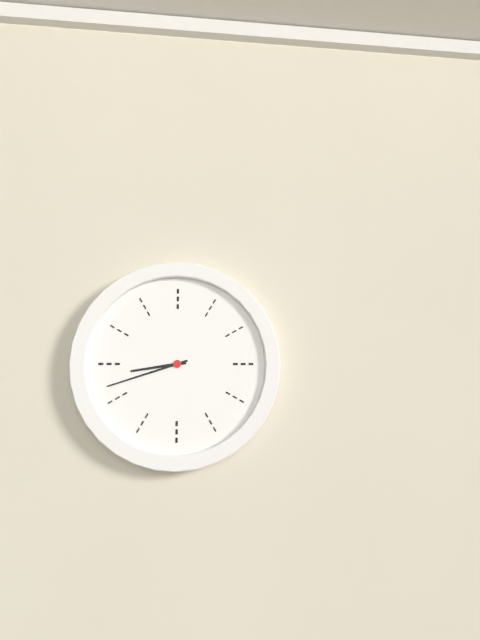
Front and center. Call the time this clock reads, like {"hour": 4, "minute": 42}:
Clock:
{"hour": 8, "minute": 42}
